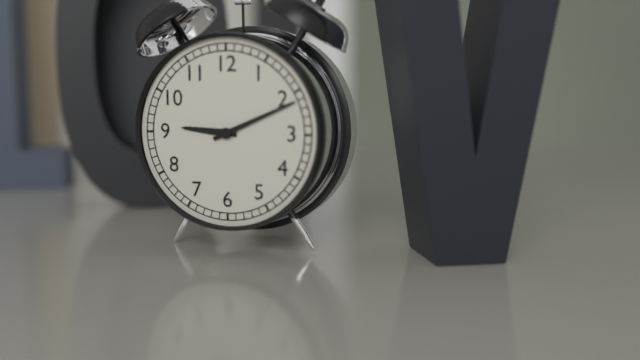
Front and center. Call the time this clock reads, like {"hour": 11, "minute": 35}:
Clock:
{"hour": 9, "minute": 11}
